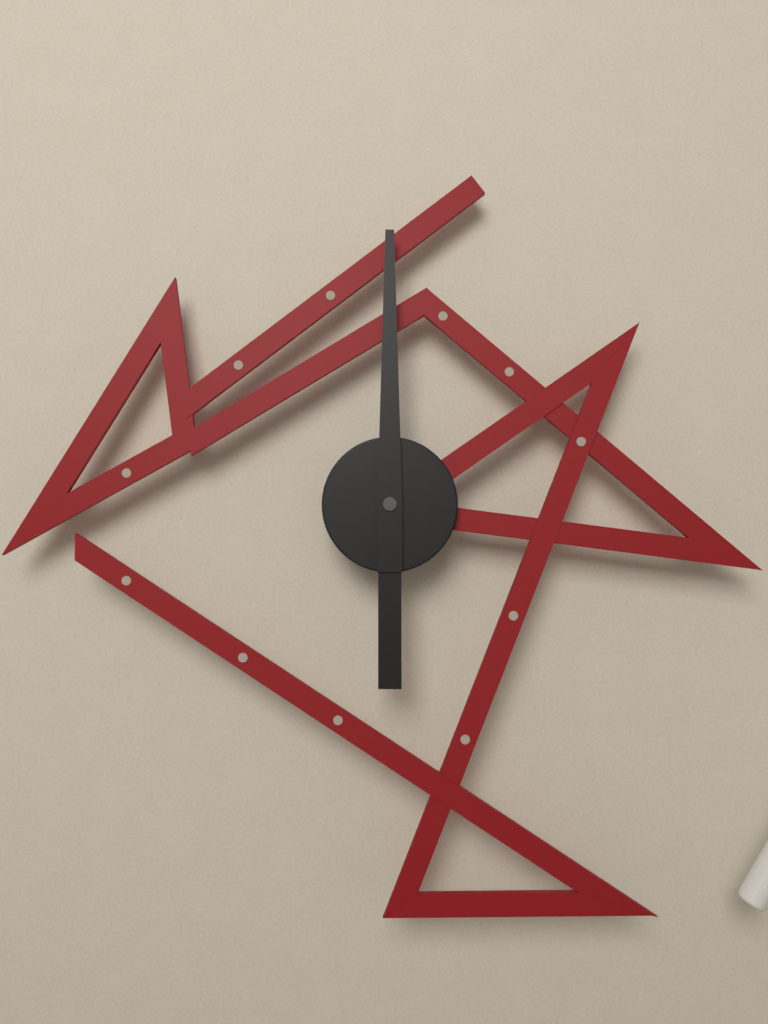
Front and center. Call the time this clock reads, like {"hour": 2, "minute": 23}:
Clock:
{"hour": 6, "minute": 0}
